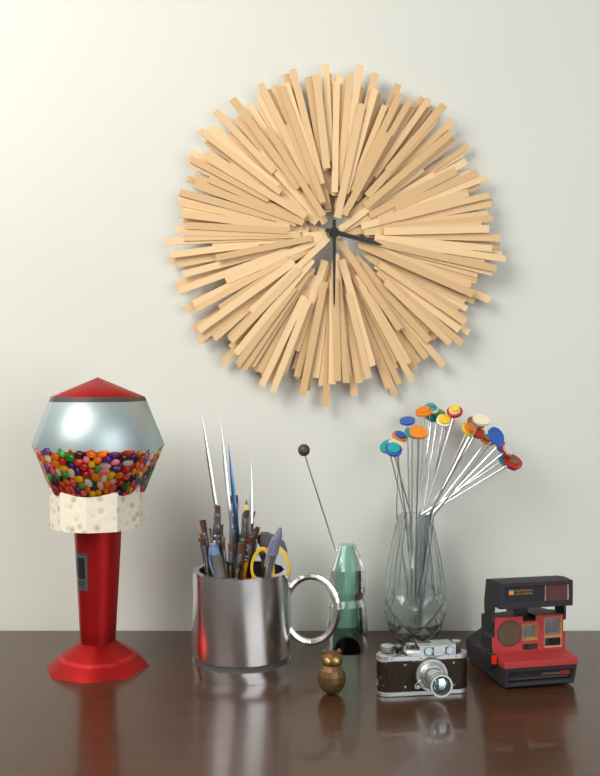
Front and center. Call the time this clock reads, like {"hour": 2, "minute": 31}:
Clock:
{"hour": 3, "minute": 30}
